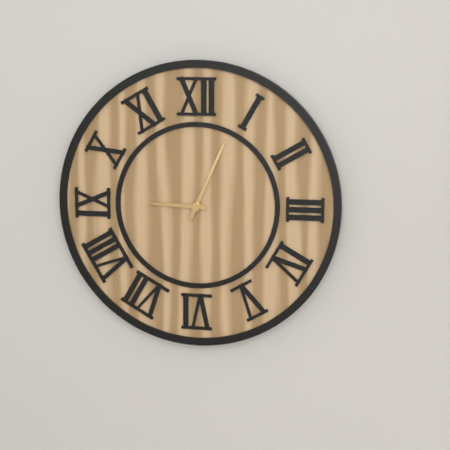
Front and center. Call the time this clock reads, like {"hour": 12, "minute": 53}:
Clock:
{"hour": 9, "minute": 4}
